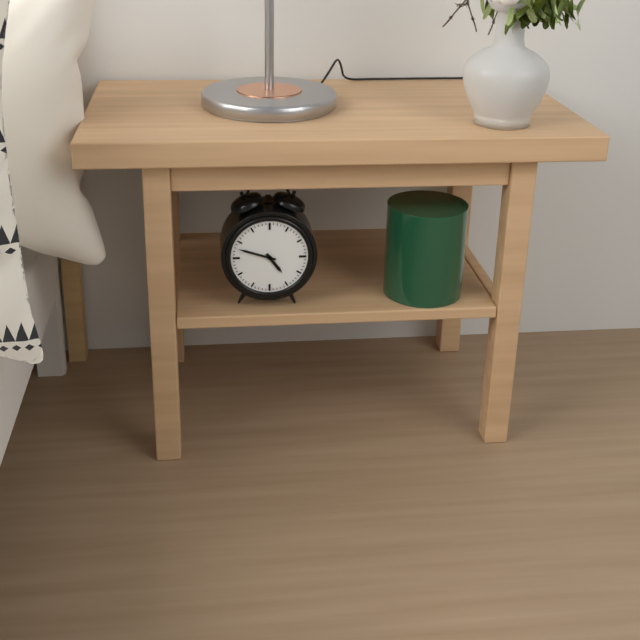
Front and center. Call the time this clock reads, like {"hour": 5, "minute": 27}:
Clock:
{"hour": 4, "minute": 48}
